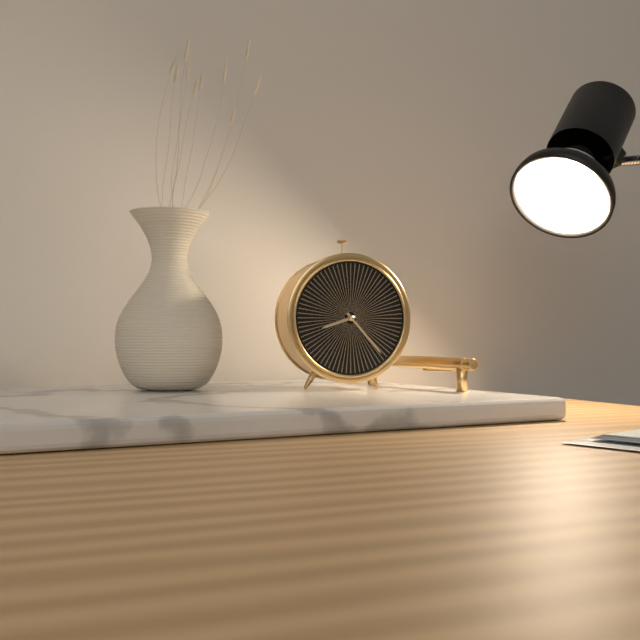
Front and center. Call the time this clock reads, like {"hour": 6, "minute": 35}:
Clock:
{"hour": 8, "minute": 23}
